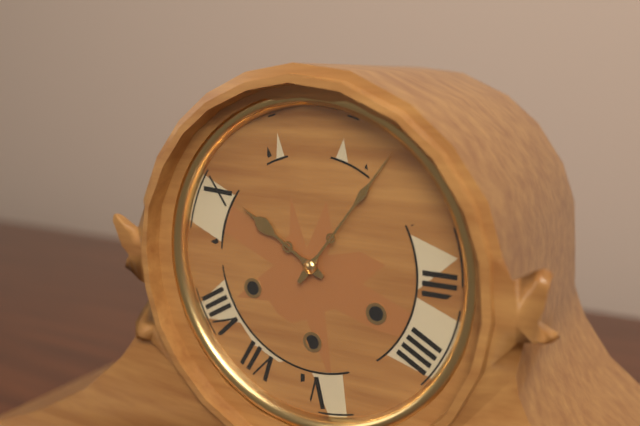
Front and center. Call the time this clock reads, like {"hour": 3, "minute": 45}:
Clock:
{"hour": 10, "minute": 6}
